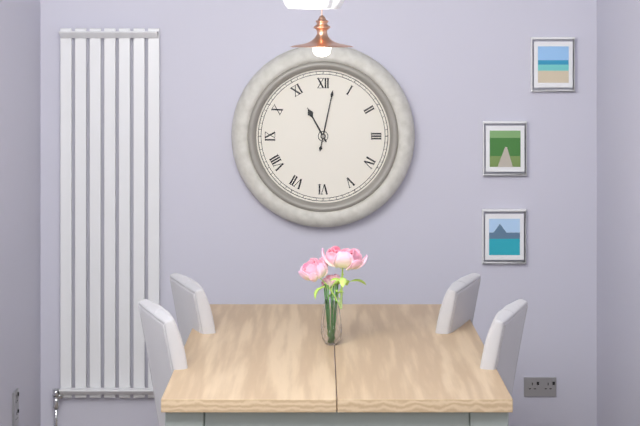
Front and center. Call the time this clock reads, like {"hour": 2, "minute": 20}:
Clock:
{"hour": 11, "minute": 2}
